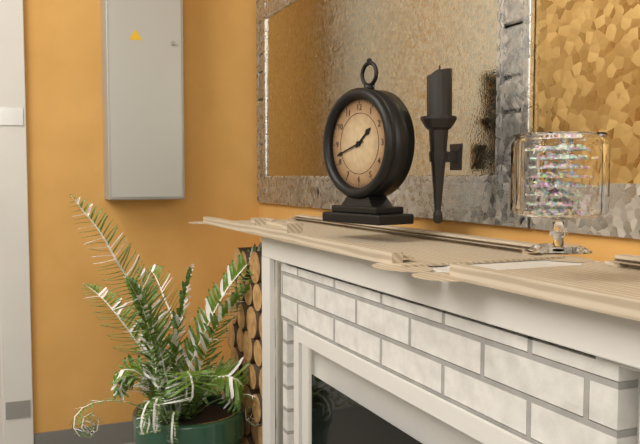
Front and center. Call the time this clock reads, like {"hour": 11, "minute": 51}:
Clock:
{"hour": 1, "minute": 42}
